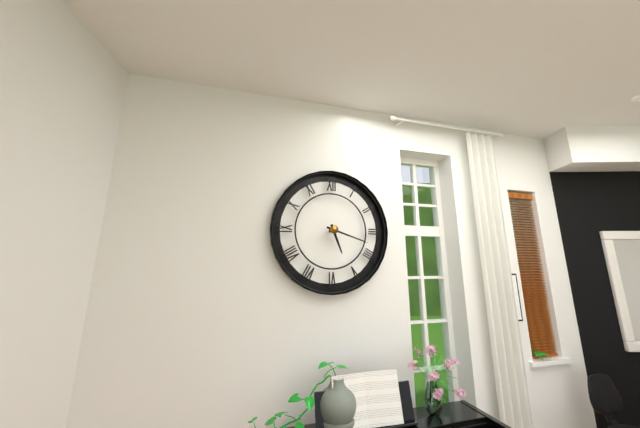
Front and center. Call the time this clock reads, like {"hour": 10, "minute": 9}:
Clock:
{"hour": 5, "minute": 18}
